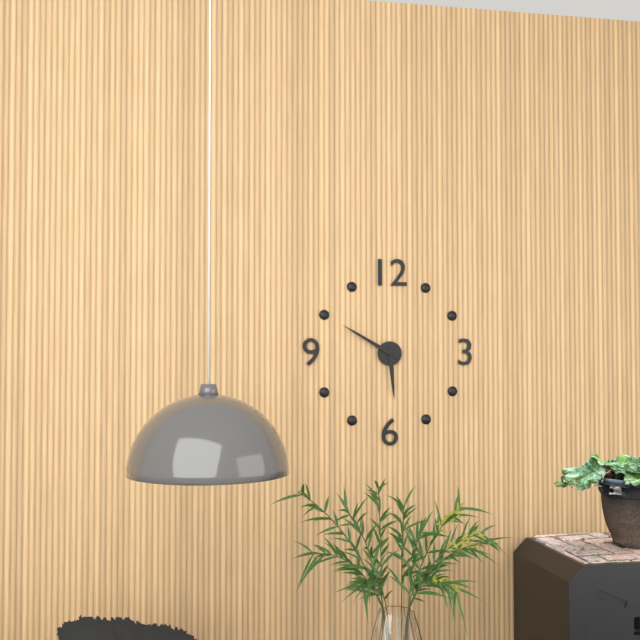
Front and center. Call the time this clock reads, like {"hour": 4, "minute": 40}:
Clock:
{"hour": 5, "minute": 50}
